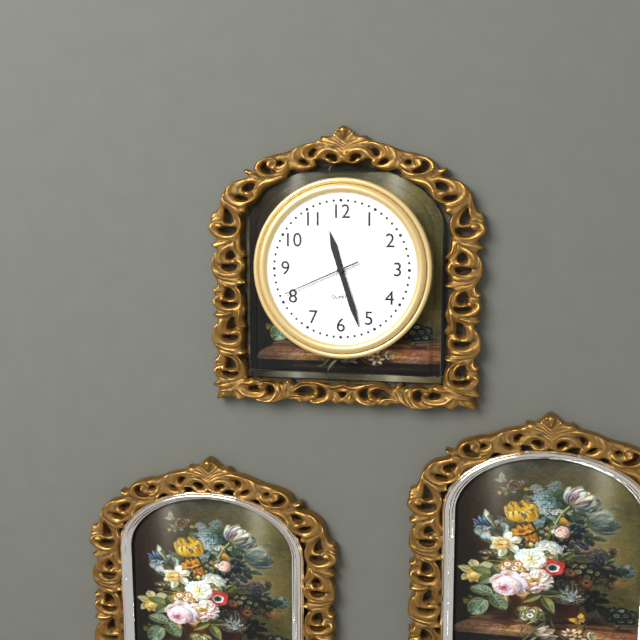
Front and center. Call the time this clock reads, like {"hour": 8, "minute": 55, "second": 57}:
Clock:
{"hour": 11, "minute": 27, "second": 41}
